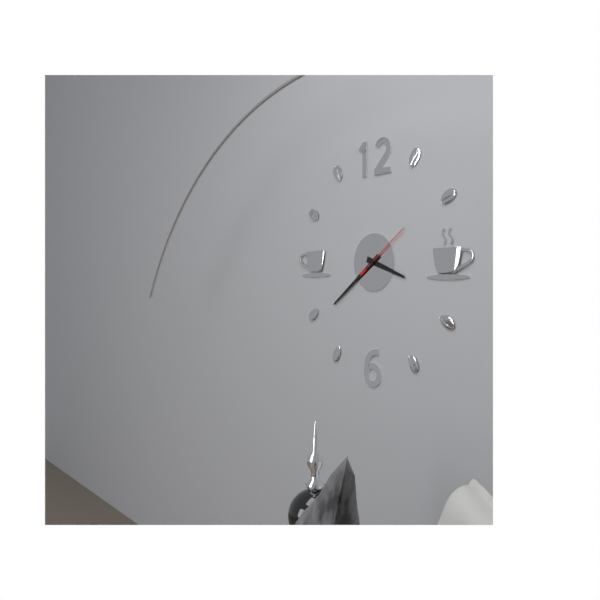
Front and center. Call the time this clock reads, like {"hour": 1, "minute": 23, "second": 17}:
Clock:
{"hour": 3, "minute": 39, "second": 9}
